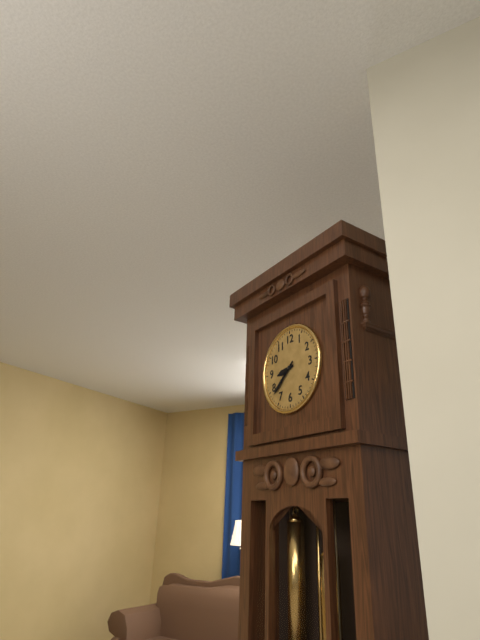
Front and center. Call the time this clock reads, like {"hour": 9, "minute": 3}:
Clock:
{"hour": 8, "minute": 38}
